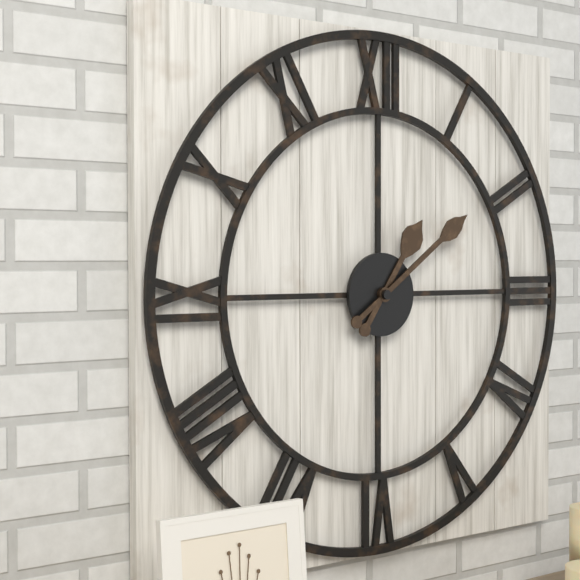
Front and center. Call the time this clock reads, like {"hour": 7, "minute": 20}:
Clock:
{"hour": 1, "minute": 9}
